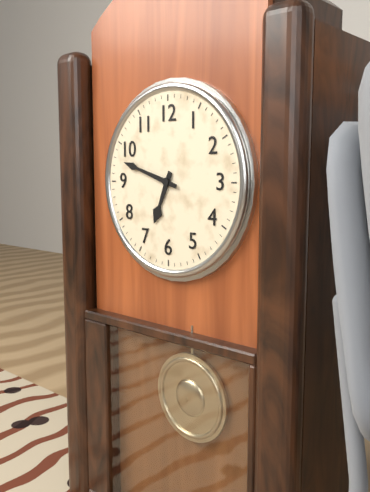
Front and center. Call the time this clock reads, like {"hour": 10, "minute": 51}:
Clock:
{"hour": 6, "minute": 48}
